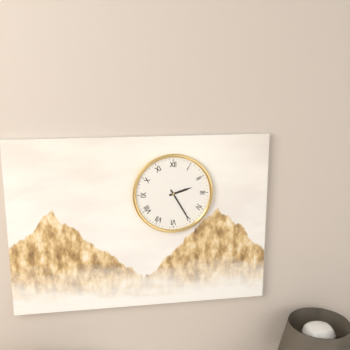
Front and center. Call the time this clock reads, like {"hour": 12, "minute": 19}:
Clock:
{"hour": 2, "minute": 25}
